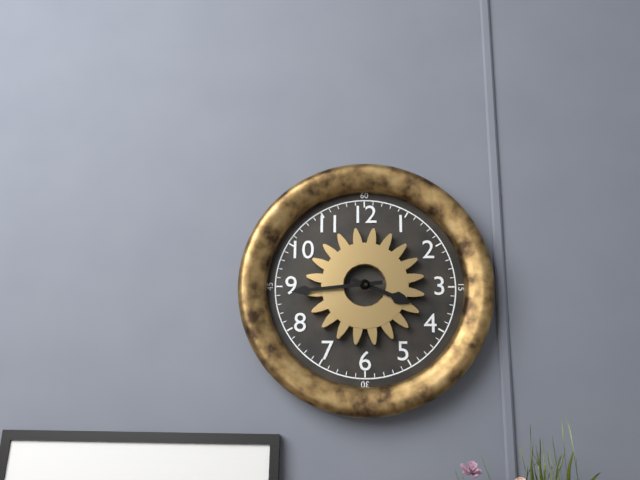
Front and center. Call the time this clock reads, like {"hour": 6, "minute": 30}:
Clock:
{"hour": 3, "minute": 44}
